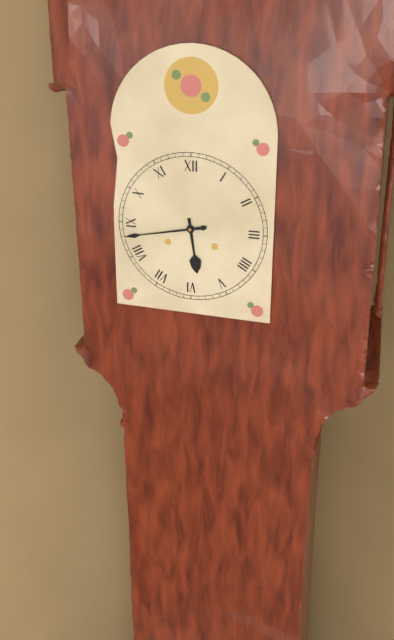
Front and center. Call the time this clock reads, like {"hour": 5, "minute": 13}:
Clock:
{"hour": 5, "minute": 43}
